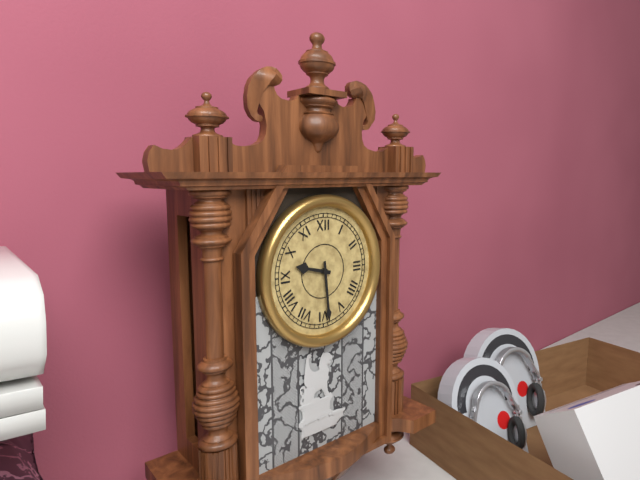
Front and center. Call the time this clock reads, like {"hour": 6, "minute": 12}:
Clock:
{"hour": 9, "minute": 29}
